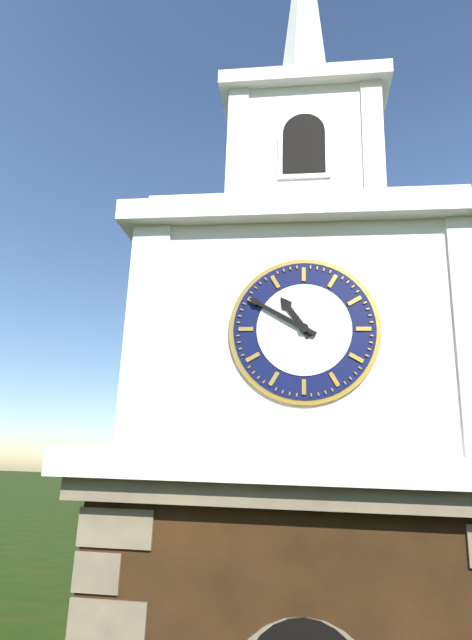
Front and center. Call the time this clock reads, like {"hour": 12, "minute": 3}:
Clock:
{"hour": 10, "minute": 50}
